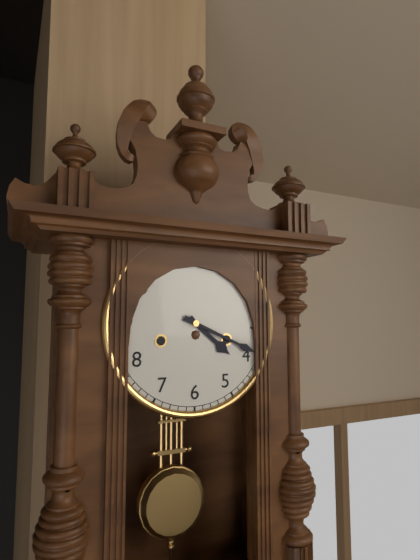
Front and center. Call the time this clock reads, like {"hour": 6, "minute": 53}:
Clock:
{"hour": 4, "minute": 19}
